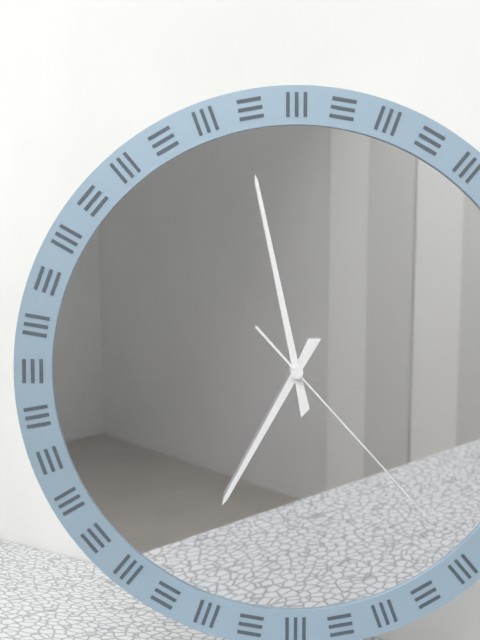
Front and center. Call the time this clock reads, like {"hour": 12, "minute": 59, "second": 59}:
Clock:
{"hour": 6, "minute": 58, "second": 23}
